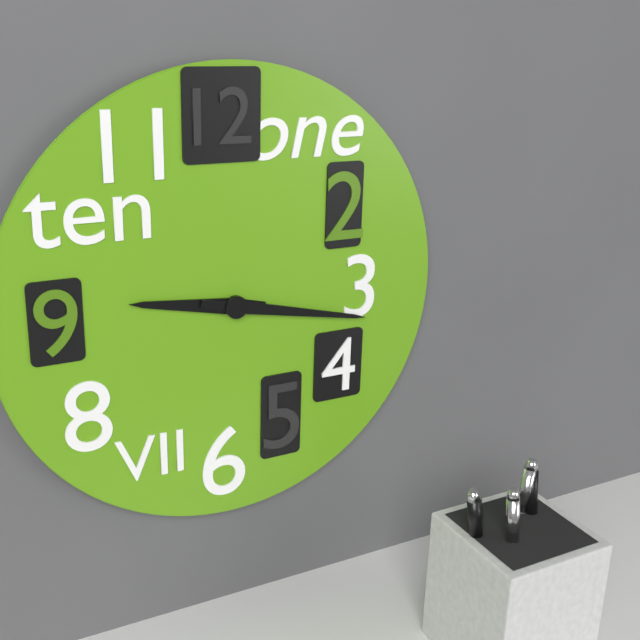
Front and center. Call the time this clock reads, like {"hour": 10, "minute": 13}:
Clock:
{"hour": 9, "minute": 17}
